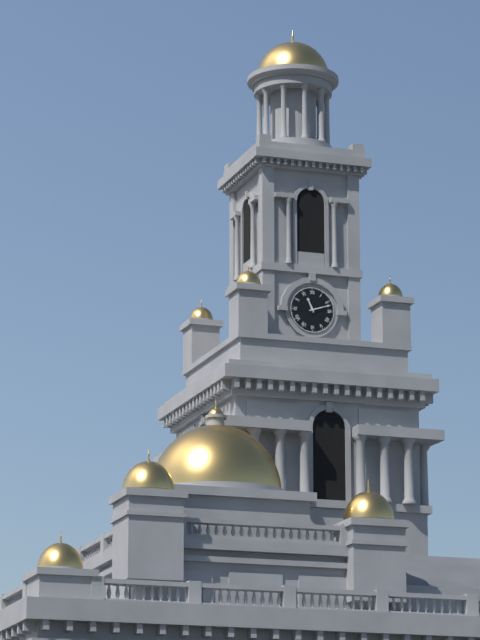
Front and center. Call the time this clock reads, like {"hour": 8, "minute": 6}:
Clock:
{"hour": 11, "minute": 12}
